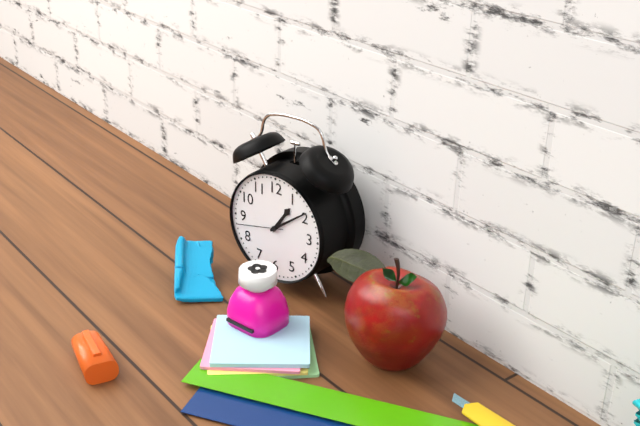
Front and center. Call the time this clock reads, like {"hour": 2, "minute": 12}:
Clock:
{"hour": 1, "minute": 9}
